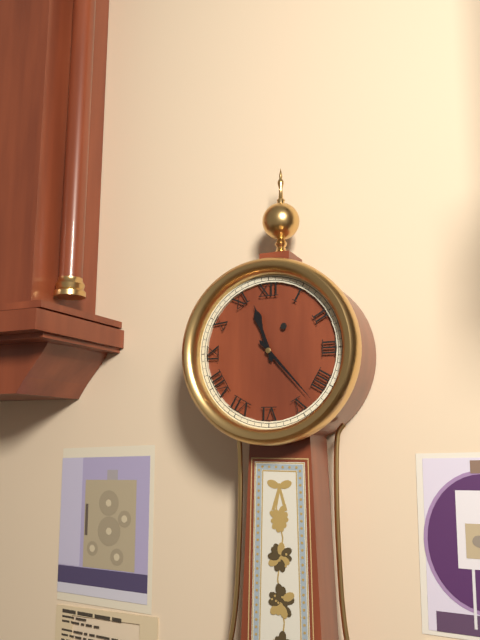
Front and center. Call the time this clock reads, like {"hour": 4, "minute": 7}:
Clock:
{"hour": 11, "minute": 23}
